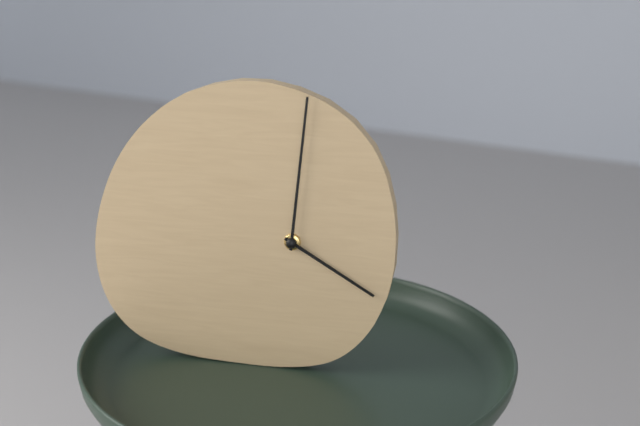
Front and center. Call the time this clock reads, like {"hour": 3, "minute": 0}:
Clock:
{"hour": 4, "minute": 1}
